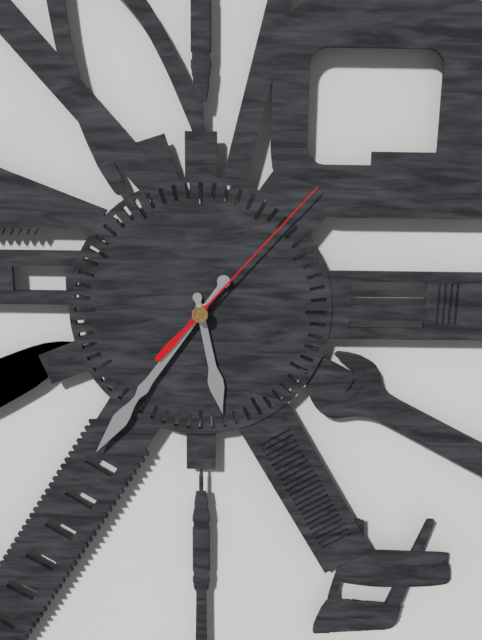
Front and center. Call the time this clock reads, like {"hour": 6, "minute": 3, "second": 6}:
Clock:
{"hour": 5, "minute": 36, "second": 7}
